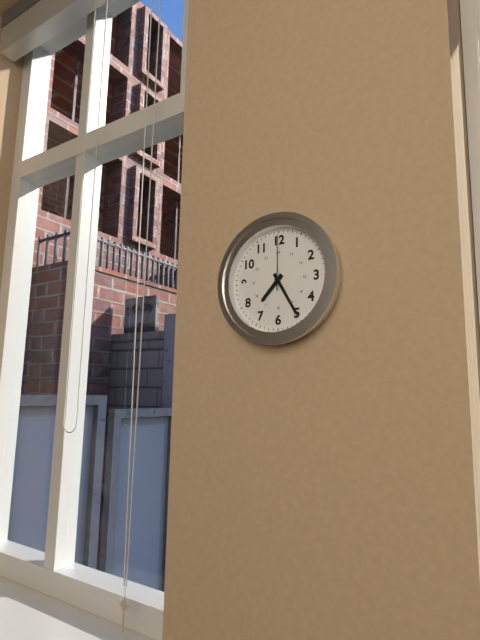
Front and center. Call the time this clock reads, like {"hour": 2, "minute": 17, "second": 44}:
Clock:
{"hour": 7, "minute": 25, "second": 0}
